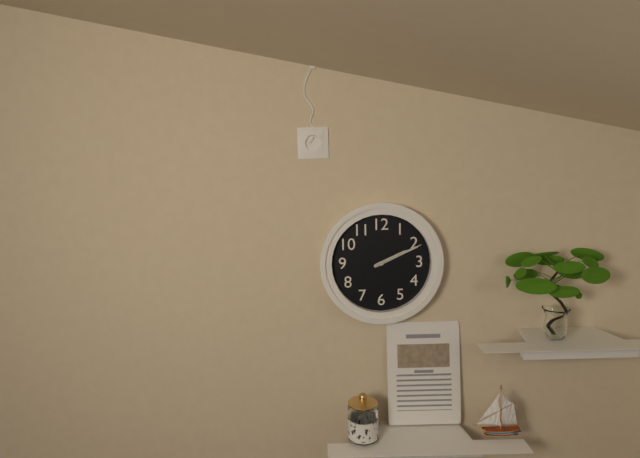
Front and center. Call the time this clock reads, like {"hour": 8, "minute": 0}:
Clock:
{"hour": 2, "minute": 11}
